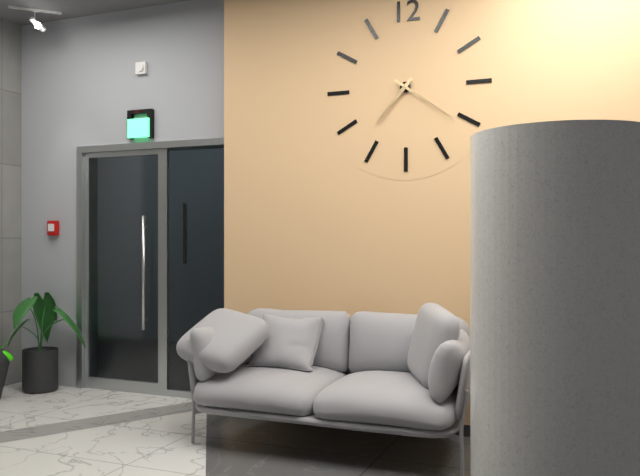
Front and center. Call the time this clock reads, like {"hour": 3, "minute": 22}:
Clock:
{"hour": 7, "minute": 21}
